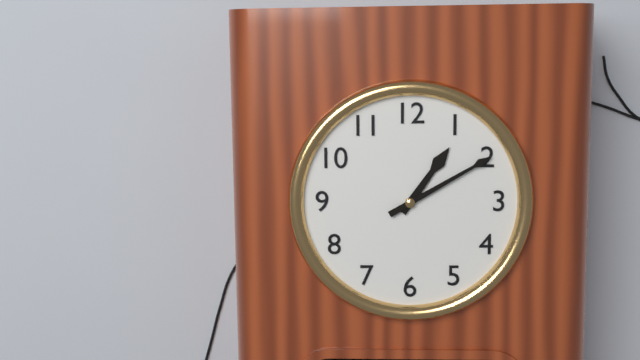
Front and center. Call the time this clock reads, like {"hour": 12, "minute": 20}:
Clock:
{"hour": 1, "minute": 10}
